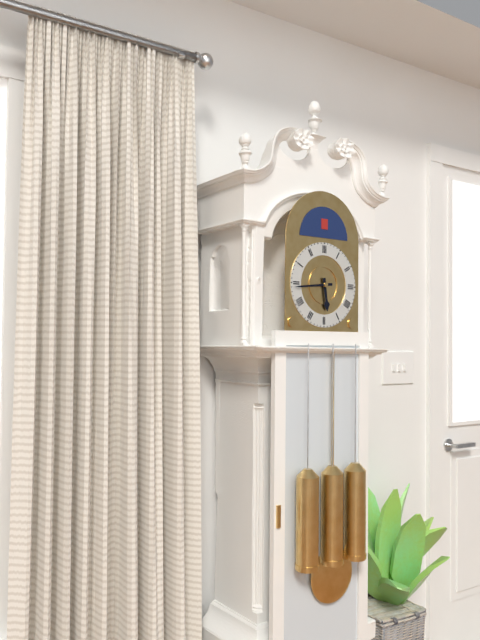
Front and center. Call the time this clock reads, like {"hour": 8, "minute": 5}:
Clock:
{"hour": 5, "minute": 44}
